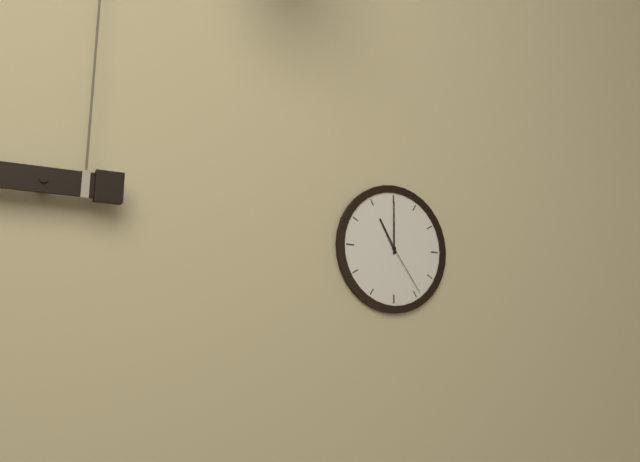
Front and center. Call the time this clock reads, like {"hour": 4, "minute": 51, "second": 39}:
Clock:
{"hour": 11, "minute": 0, "second": 24}
